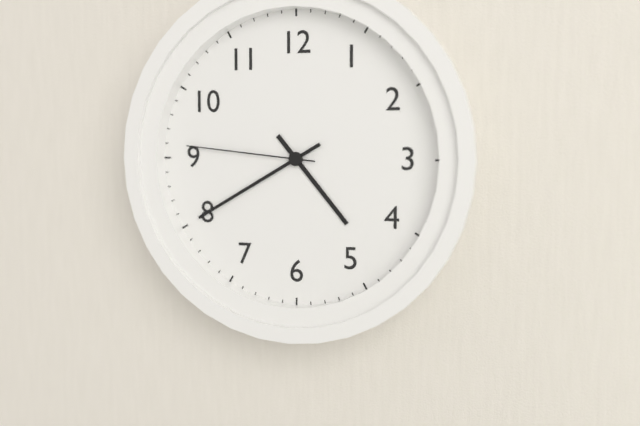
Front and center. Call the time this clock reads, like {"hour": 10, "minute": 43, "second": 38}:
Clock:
{"hour": 4, "minute": 40, "second": 46}
